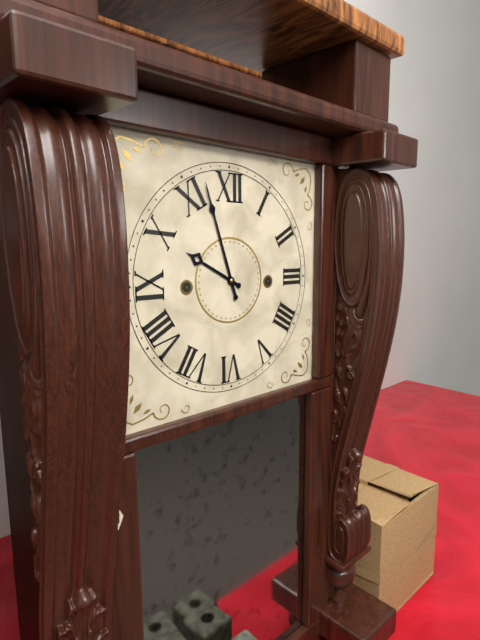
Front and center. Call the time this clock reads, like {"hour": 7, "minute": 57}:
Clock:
{"hour": 9, "minute": 57}
